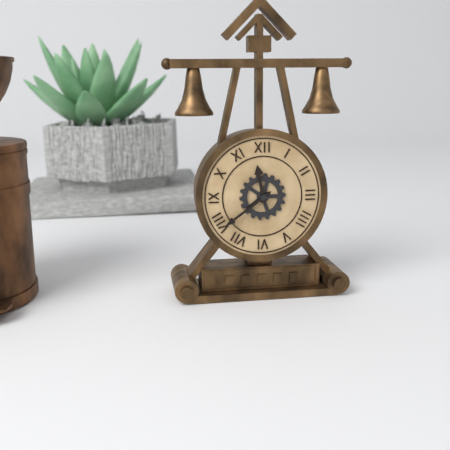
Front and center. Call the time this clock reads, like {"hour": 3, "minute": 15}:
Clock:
{"hour": 11, "minute": 39}
